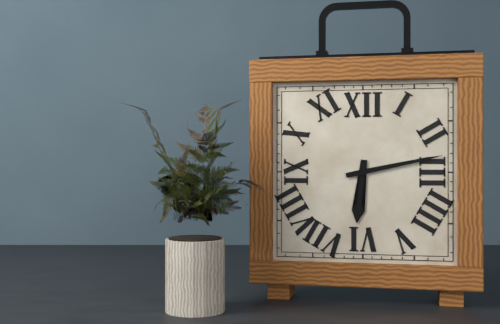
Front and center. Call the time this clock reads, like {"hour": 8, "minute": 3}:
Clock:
{"hour": 6, "minute": 13}
